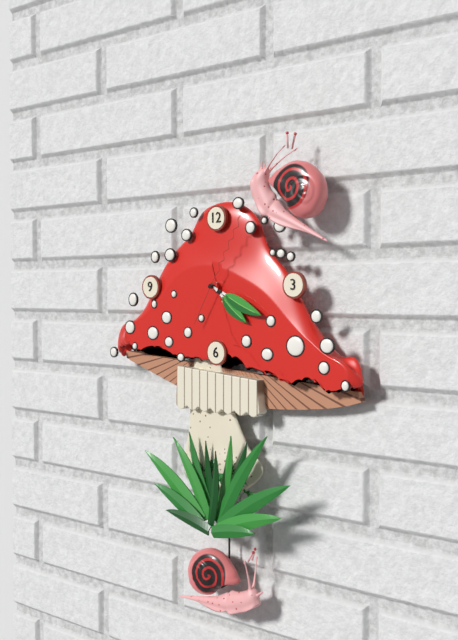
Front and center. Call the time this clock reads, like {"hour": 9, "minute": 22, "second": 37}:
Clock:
{"hour": 4, "minute": 19, "second": 5}
